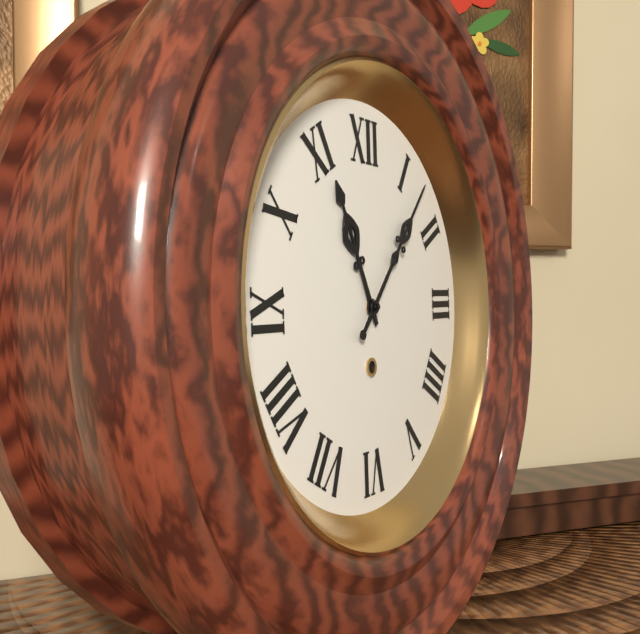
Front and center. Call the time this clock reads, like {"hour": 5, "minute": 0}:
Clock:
{"hour": 11, "minute": 7}
